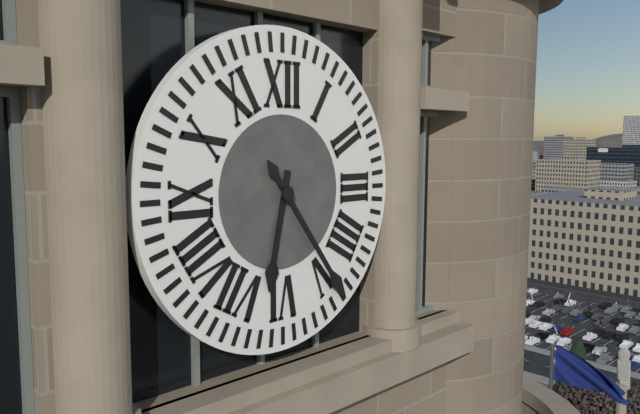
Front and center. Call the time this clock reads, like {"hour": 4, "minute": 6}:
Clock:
{"hour": 6, "minute": 24}
